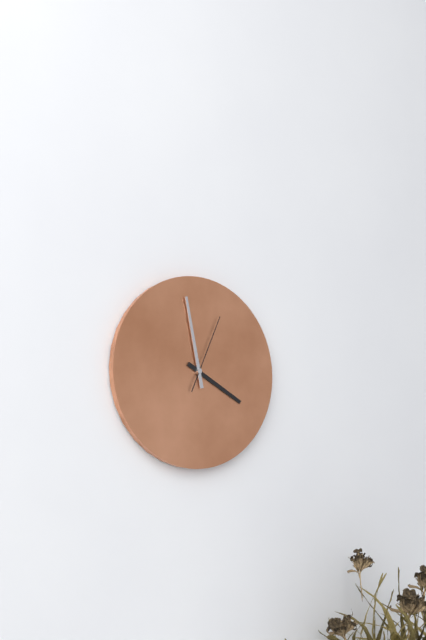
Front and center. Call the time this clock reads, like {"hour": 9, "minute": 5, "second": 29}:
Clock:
{"hour": 3, "minute": 58, "second": 4}
